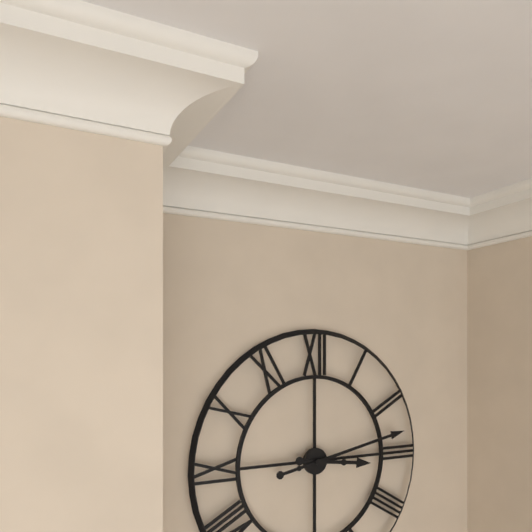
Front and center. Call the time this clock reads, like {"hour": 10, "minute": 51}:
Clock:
{"hour": 3, "minute": 13}
